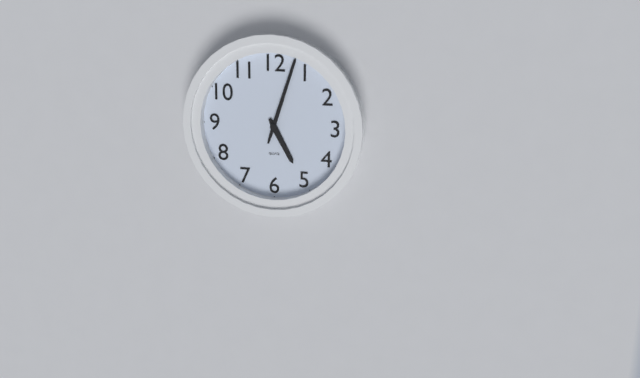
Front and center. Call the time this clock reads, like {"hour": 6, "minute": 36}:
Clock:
{"hour": 5, "minute": 3}
